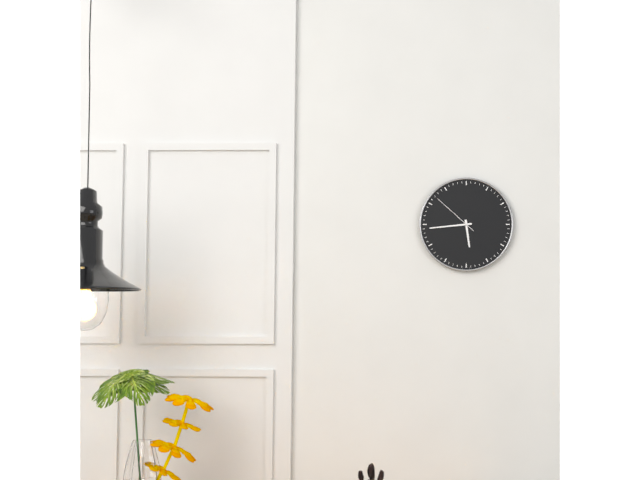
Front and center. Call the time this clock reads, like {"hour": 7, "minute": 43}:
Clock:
{"hour": 5, "minute": 44}
